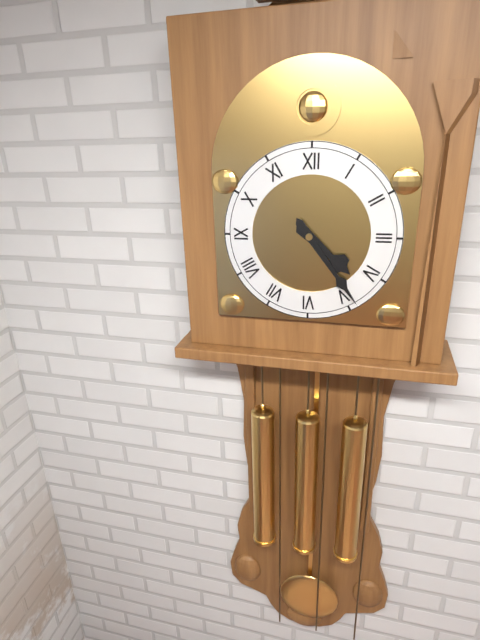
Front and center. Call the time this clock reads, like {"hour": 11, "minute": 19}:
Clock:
{"hour": 4, "minute": 24}
